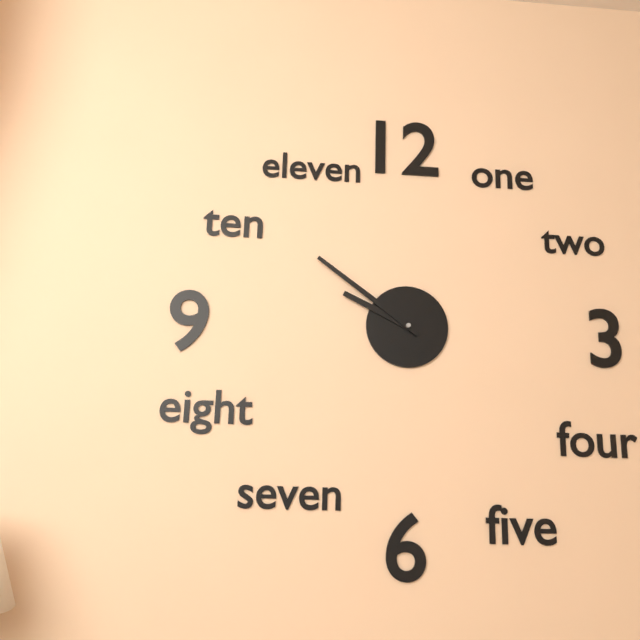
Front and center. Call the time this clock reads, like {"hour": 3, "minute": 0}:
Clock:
{"hour": 9, "minute": 51}
